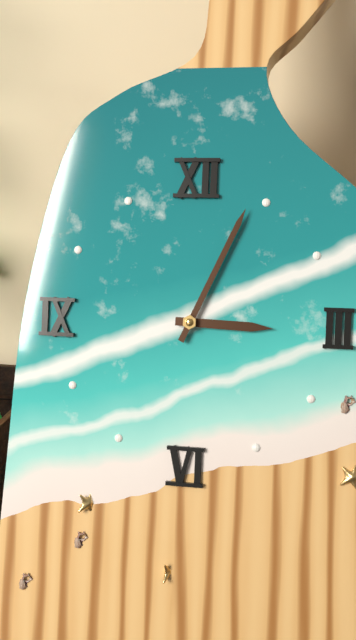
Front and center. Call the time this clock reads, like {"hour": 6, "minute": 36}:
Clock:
{"hour": 3, "minute": 4}
